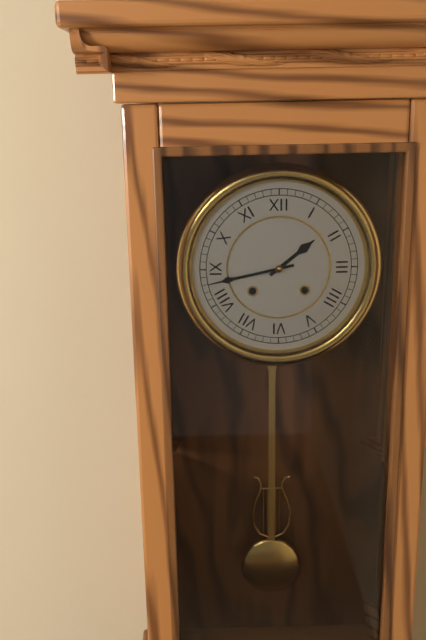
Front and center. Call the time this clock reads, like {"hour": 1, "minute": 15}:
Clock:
{"hour": 1, "minute": 43}
